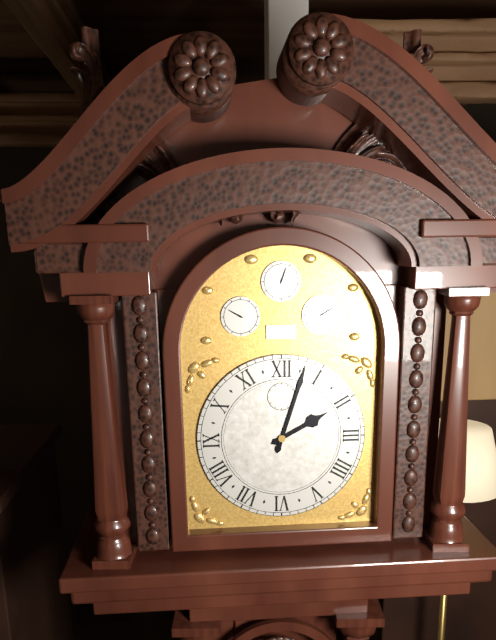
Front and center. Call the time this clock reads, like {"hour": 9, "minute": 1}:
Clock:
{"hour": 2, "minute": 3}
